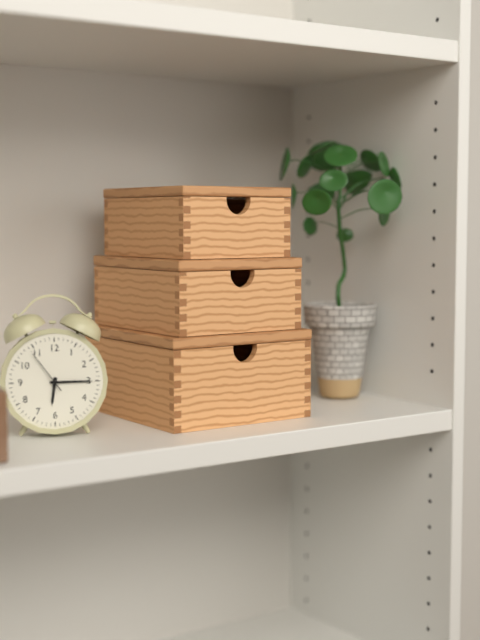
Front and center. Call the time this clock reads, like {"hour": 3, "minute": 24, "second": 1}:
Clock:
{"hour": 6, "minute": 15, "second": 54}
